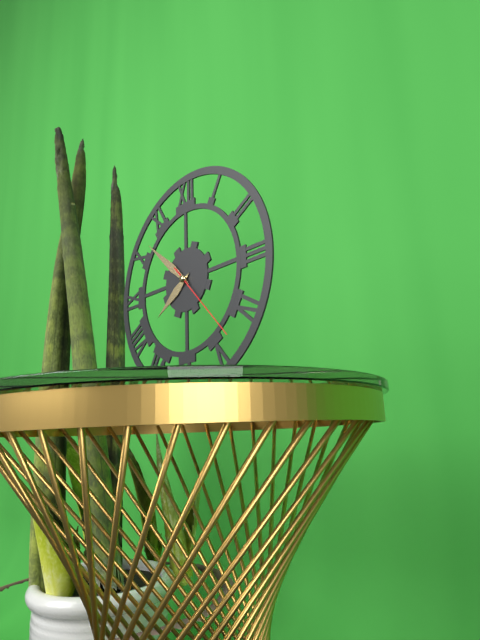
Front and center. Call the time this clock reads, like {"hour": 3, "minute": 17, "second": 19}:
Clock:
{"hour": 7, "minute": 52, "second": 23}
